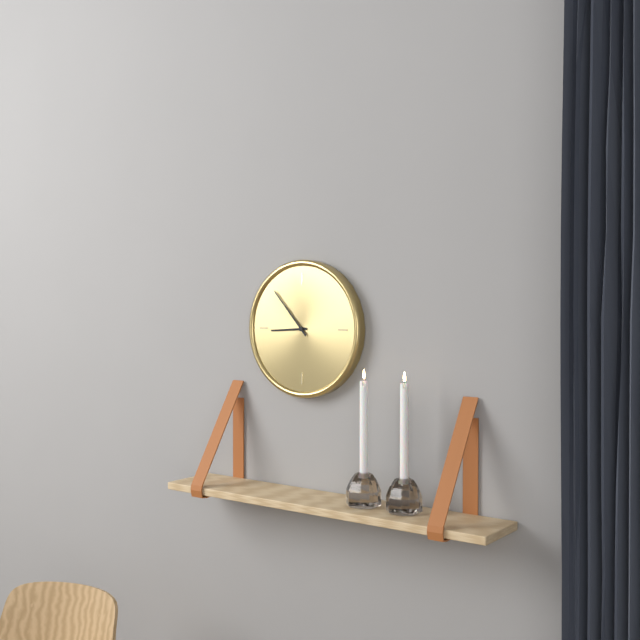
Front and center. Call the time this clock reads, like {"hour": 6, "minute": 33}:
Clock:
{"hour": 8, "minute": 53}
